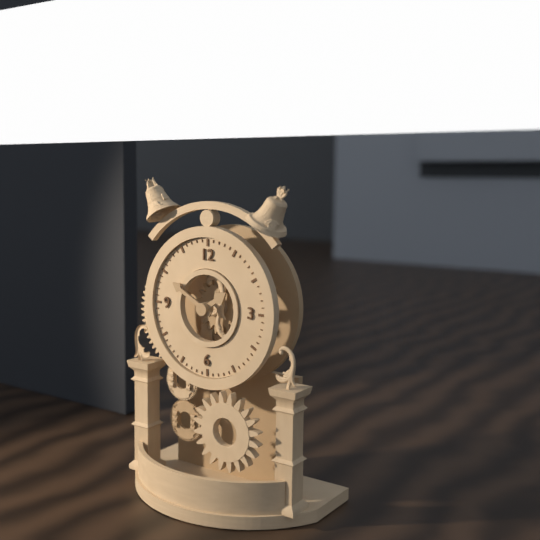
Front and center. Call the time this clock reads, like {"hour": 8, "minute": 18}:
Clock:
{"hour": 1, "minute": 50}
